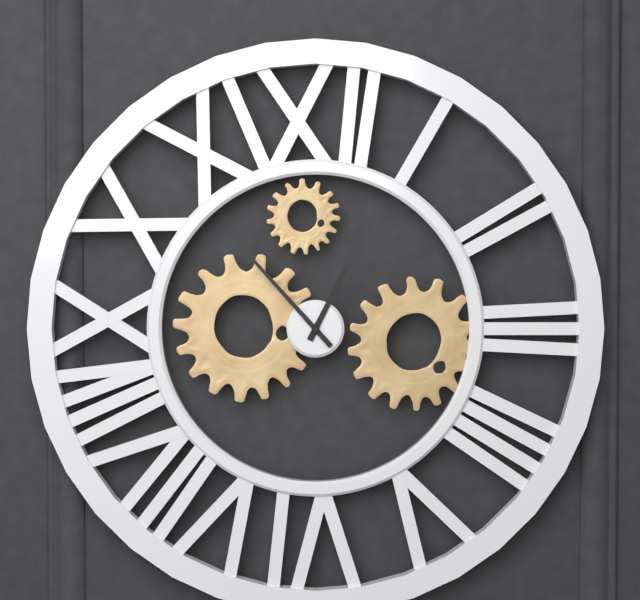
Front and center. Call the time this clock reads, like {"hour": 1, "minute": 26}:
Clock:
{"hour": 12, "minute": 53}
